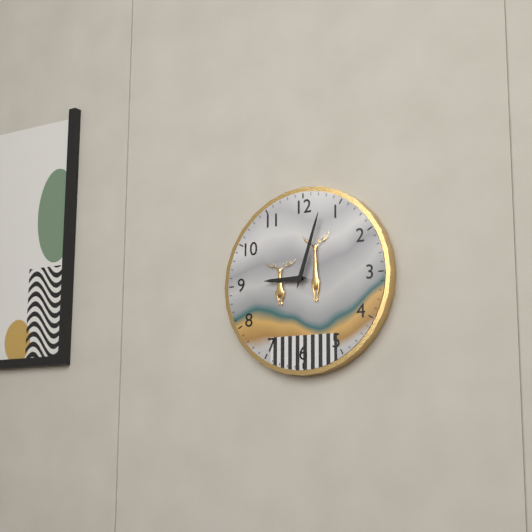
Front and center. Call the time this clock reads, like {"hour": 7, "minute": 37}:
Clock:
{"hour": 9, "minute": 3}
